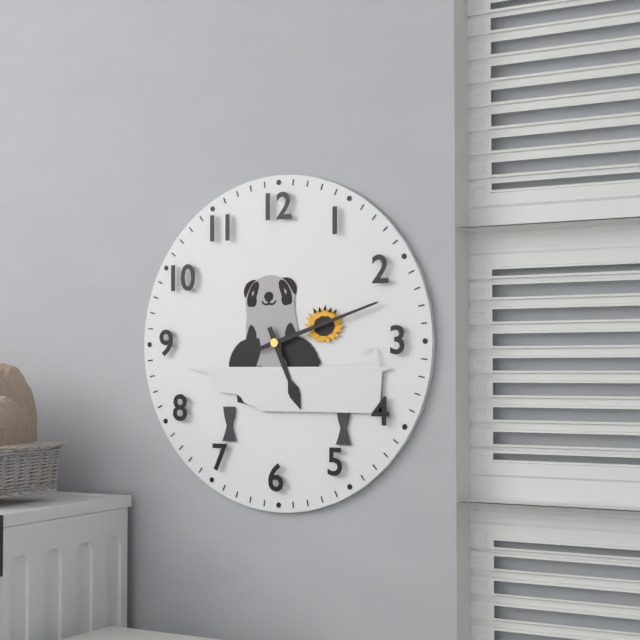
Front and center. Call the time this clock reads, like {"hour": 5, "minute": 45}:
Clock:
{"hour": 5, "minute": 12}
